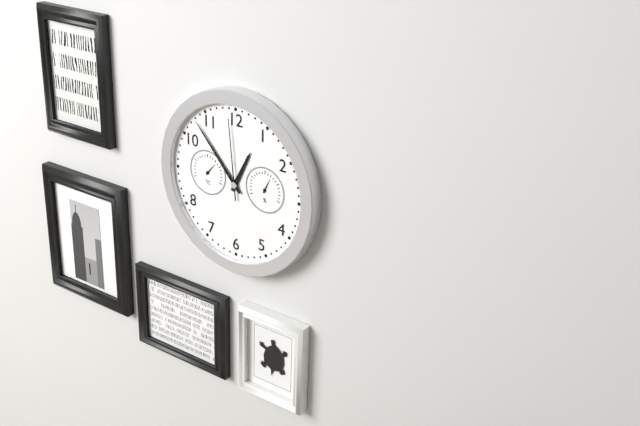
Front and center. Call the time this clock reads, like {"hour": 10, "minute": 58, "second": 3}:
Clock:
{"hour": 12, "minute": 53, "second": 59}
